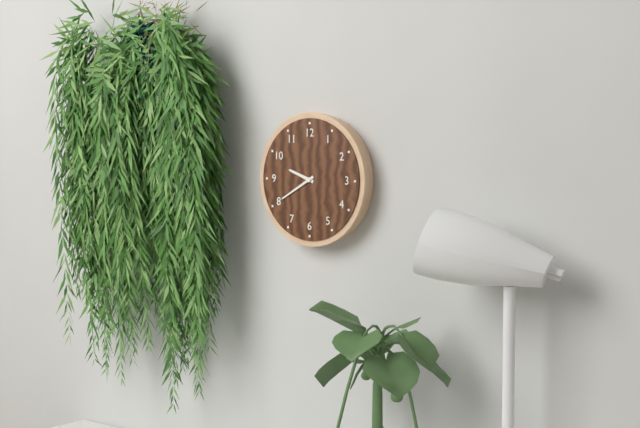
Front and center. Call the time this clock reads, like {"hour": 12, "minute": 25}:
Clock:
{"hour": 9, "minute": 40}
